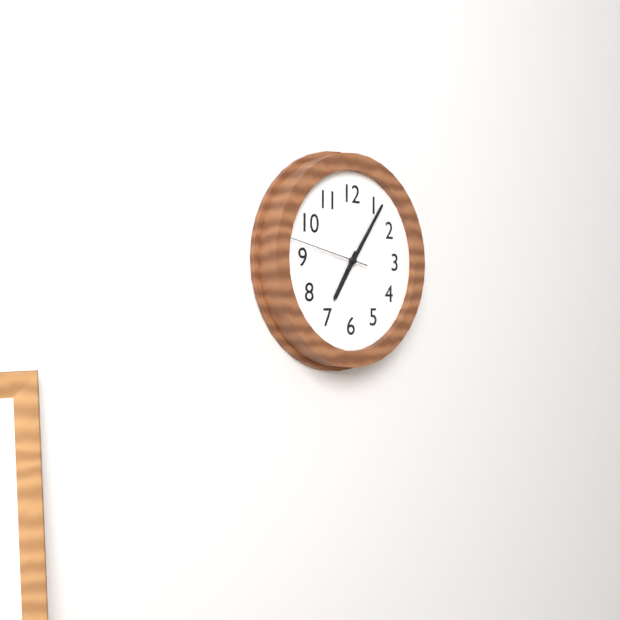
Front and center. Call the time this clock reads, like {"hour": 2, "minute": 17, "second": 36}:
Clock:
{"hour": 7, "minute": 6, "second": 47}
